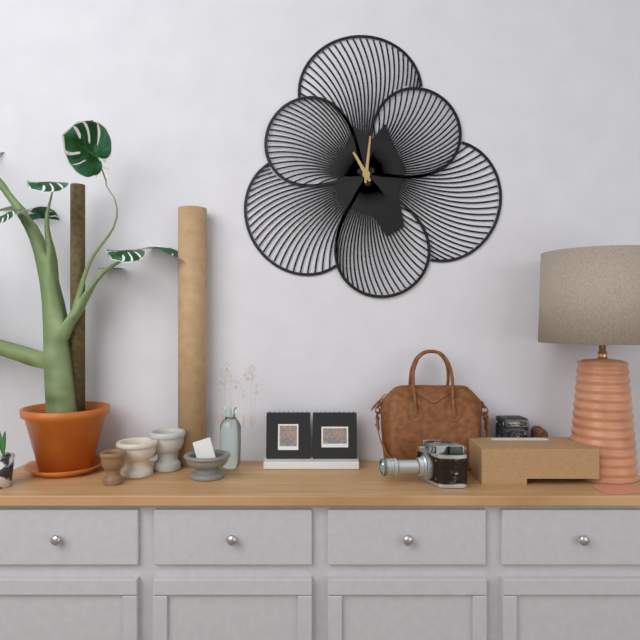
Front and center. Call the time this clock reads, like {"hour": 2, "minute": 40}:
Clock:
{"hour": 11, "minute": 1}
